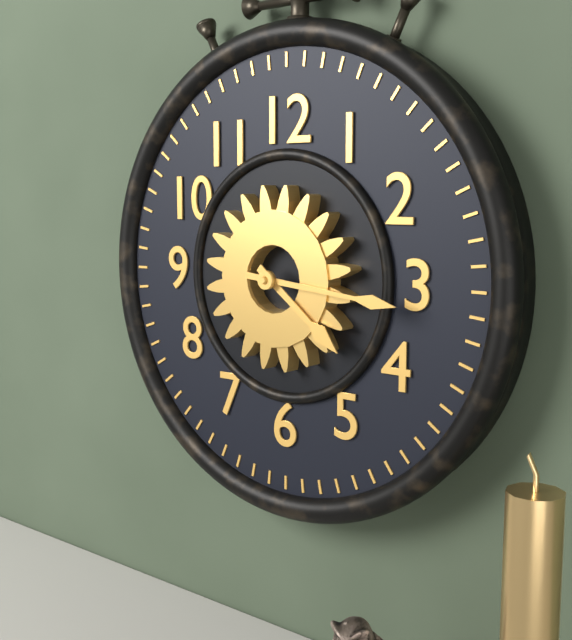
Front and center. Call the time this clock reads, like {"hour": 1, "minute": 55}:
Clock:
{"hour": 4, "minute": 16}
